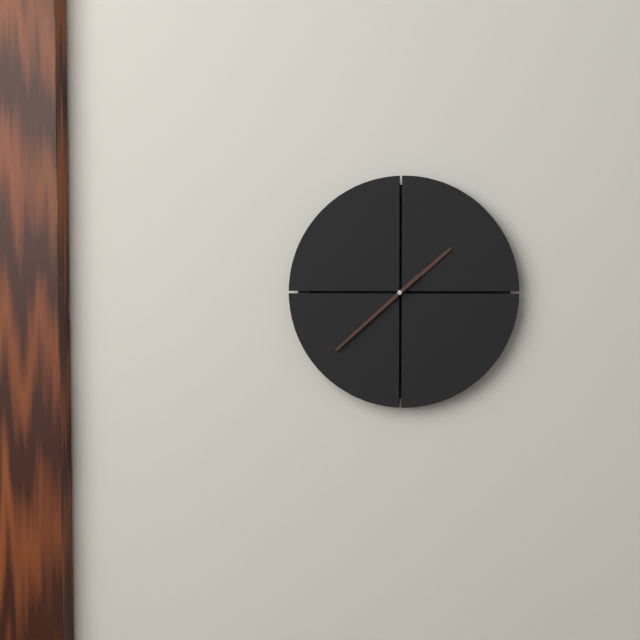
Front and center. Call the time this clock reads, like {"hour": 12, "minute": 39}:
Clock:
{"hour": 1, "minute": 38}
